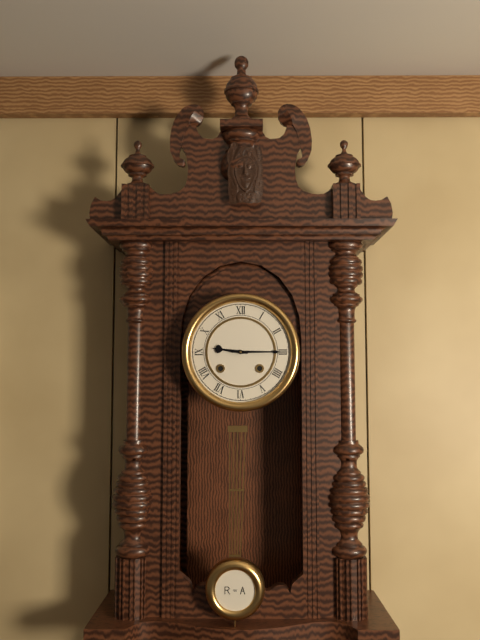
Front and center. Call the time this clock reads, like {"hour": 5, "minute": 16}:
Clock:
{"hour": 9, "minute": 15}
